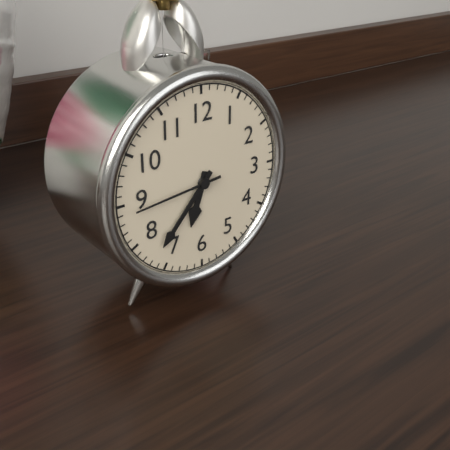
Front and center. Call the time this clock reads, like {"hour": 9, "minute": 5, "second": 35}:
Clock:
{"hour": 6, "minute": 37, "second": 44}
